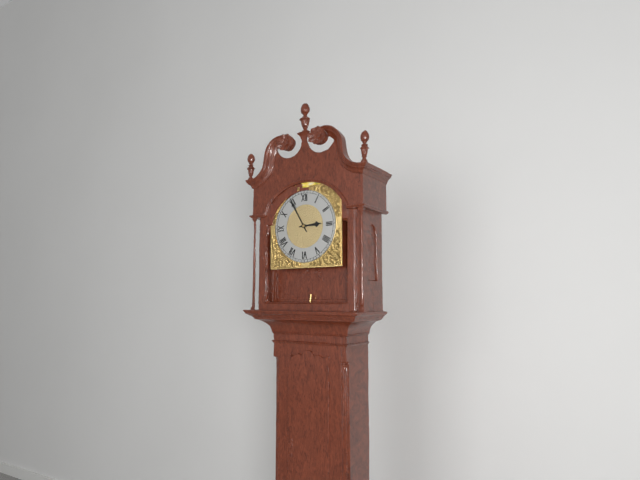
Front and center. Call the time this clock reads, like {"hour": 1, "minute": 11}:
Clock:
{"hour": 2, "minute": 55}
